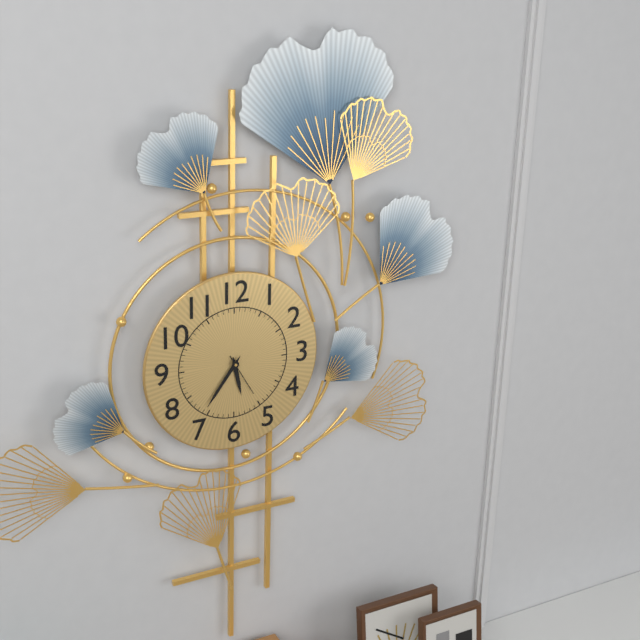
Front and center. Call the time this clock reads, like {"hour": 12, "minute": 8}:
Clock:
{"hour": 5, "minute": 36}
